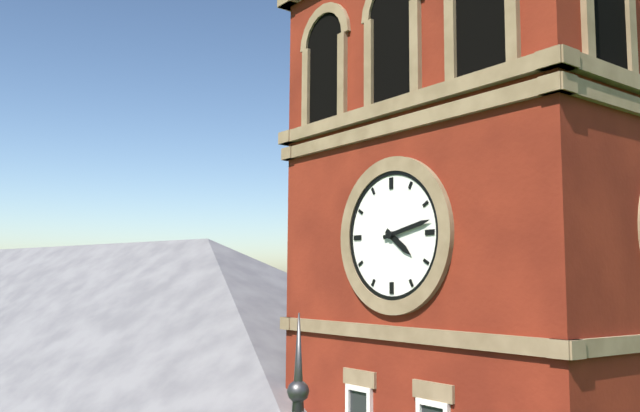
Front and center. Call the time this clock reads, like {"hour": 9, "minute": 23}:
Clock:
{"hour": 4, "minute": 13}
